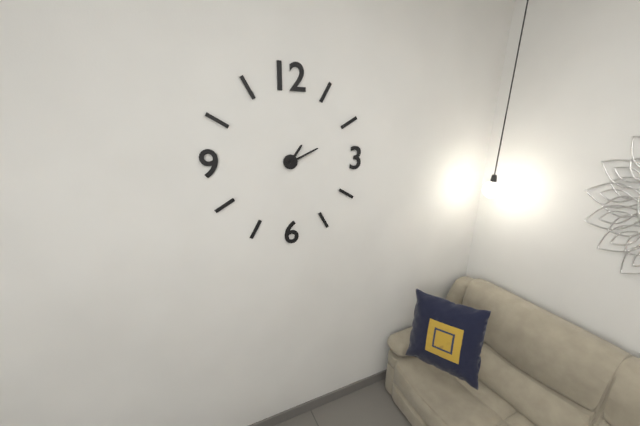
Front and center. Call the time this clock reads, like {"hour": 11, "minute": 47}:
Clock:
{"hour": 1, "minute": 11}
